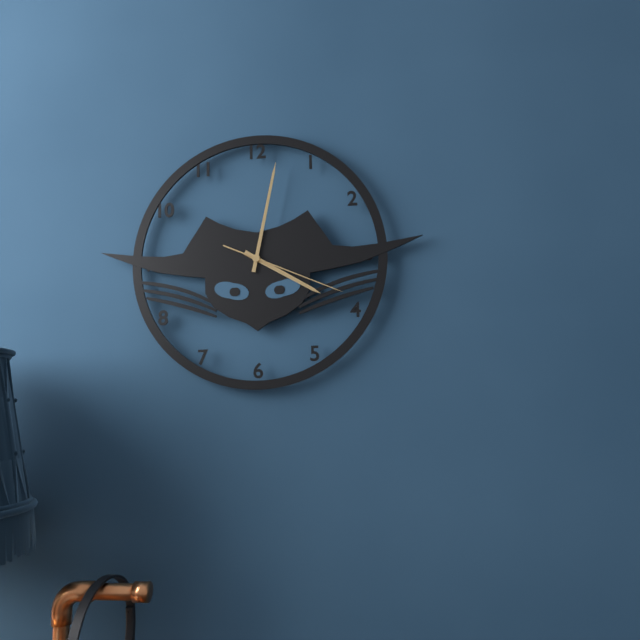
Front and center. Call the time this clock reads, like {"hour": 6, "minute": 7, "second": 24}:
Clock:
{"hour": 4, "minute": 2, "second": 19}
